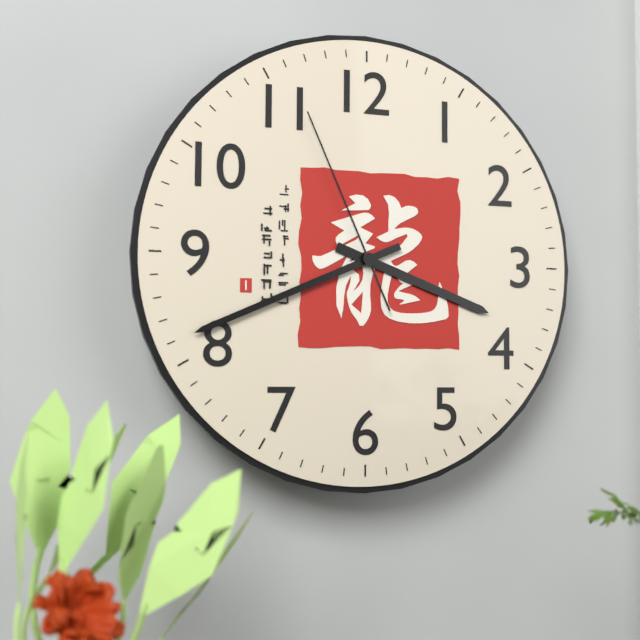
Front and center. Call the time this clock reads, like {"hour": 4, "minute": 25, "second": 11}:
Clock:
{"hour": 3, "minute": 41, "second": 56}
